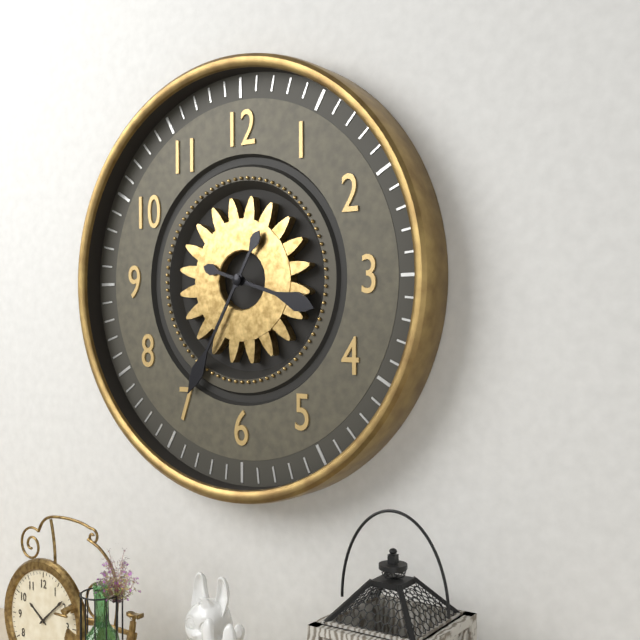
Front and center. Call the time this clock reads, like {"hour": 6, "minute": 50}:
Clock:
{"hour": 3, "minute": 35}
